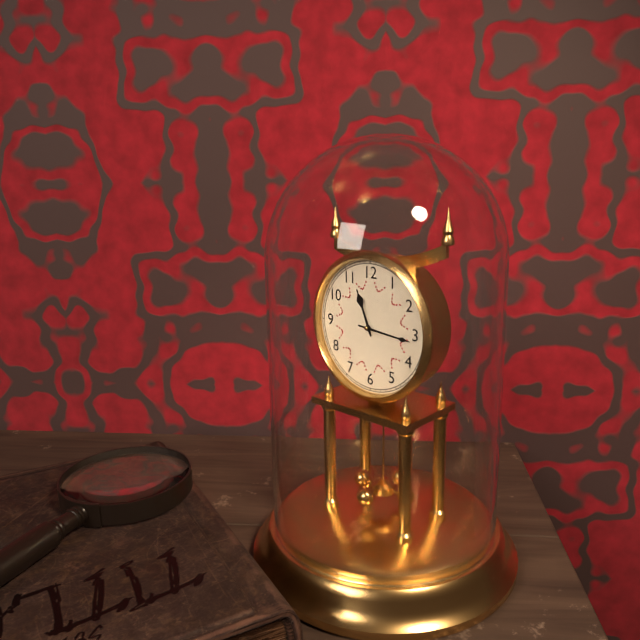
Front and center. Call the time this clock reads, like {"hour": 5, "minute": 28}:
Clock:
{"hour": 11, "minute": 16}
